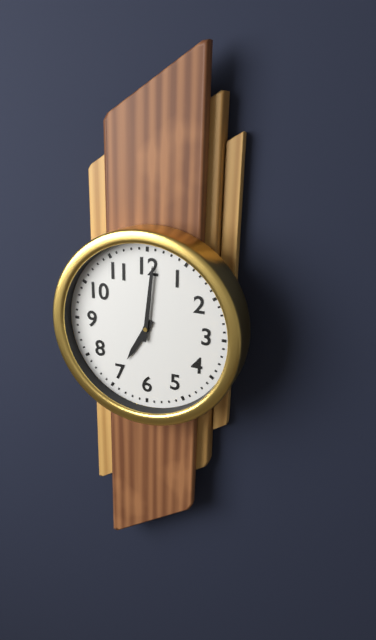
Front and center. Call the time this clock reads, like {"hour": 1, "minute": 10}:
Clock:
{"hour": 7, "minute": 1}
